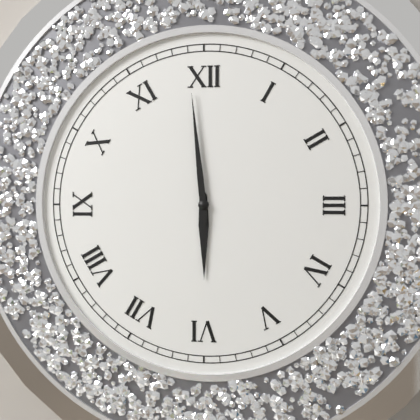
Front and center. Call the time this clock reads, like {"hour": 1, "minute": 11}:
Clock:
{"hour": 5, "minute": 59}
